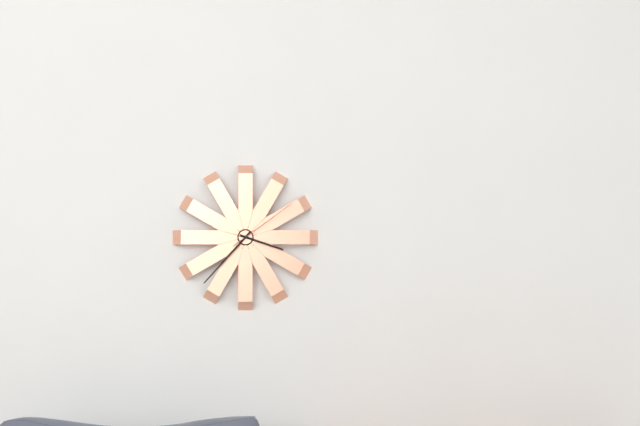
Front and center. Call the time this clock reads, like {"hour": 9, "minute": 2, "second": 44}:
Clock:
{"hour": 3, "minute": 37, "second": 9}
